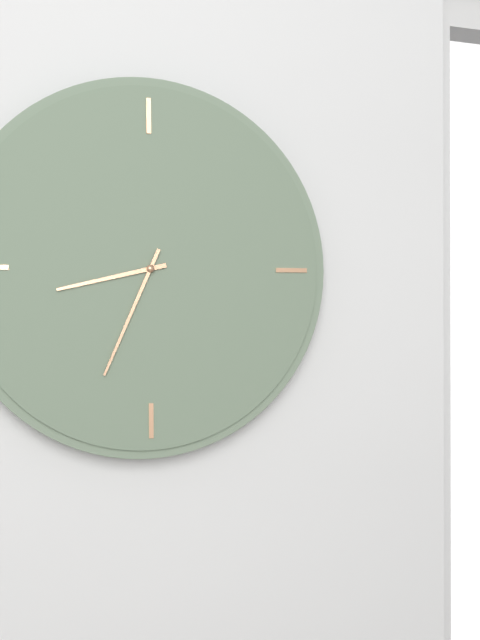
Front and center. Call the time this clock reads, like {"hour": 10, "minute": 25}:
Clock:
{"hour": 8, "minute": 34}
